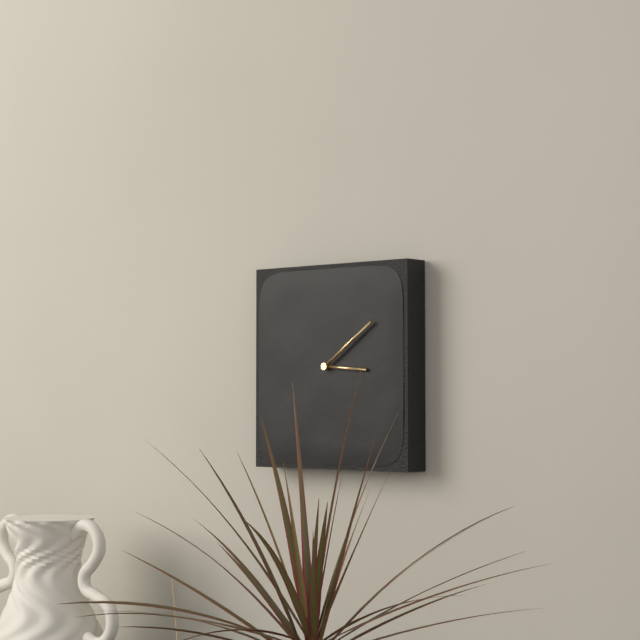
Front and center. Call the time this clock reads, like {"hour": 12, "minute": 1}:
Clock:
{"hour": 3, "minute": 9}
